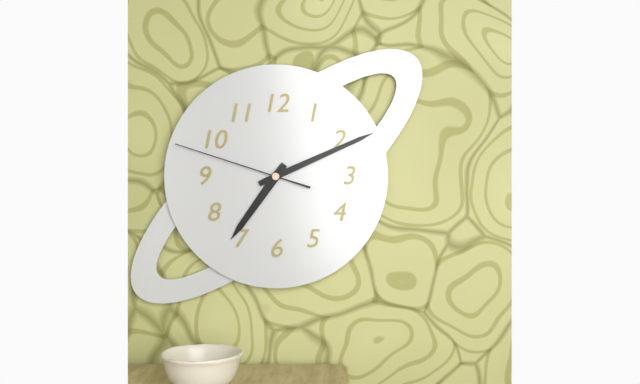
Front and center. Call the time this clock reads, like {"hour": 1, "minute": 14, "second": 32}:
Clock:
{"hour": 7, "minute": 11, "second": 48}
